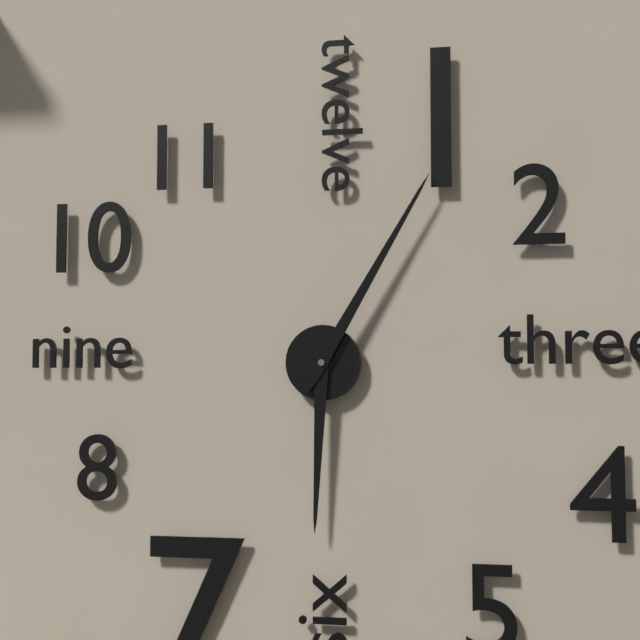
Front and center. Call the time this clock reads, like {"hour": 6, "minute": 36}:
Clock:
{"hour": 6, "minute": 5}
